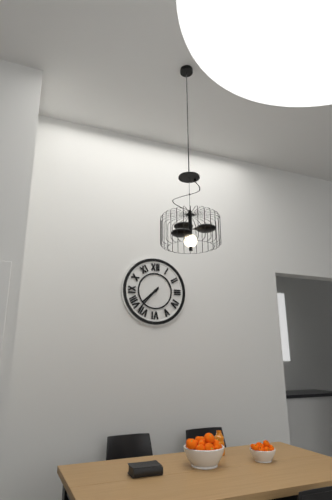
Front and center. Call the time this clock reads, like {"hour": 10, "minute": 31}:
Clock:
{"hour": 7, "minute": 37}
